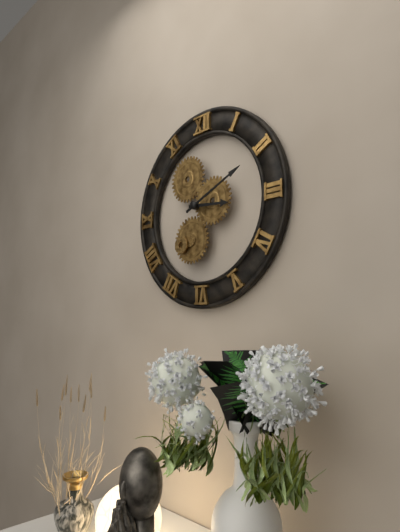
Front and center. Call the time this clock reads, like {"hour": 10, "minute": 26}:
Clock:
{"hour": 3, "minute": 11}
